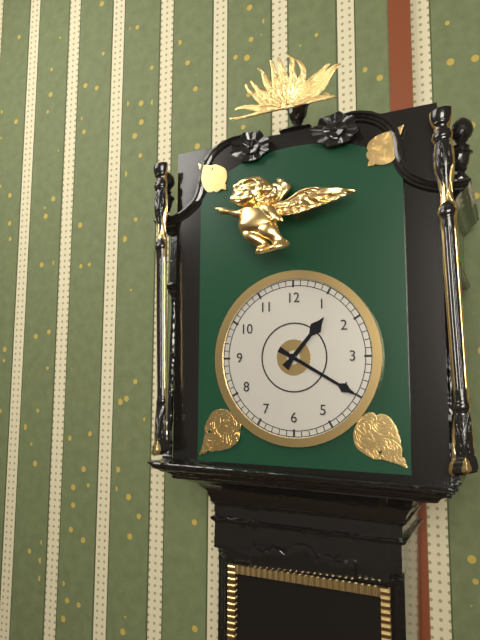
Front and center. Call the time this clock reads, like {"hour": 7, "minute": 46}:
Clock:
{"hour": 1, "minute": 20}
